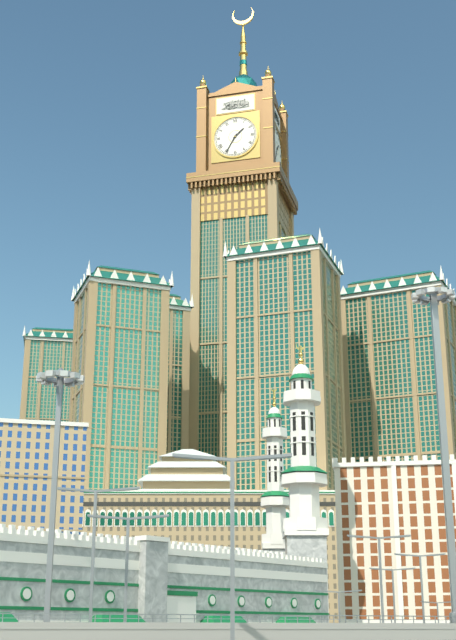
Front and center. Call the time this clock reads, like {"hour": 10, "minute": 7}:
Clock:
{"hour": 1, "minute": 35}
